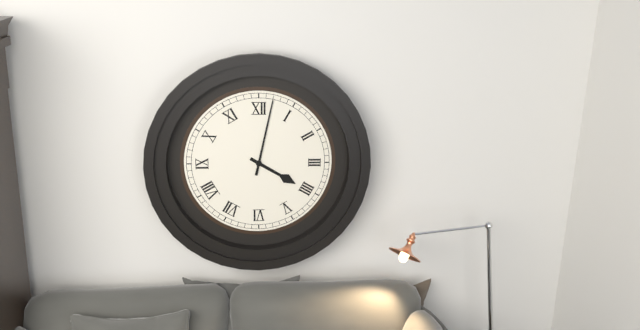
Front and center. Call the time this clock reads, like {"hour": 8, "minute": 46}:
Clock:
{"hour": 4, "minute": 2}
